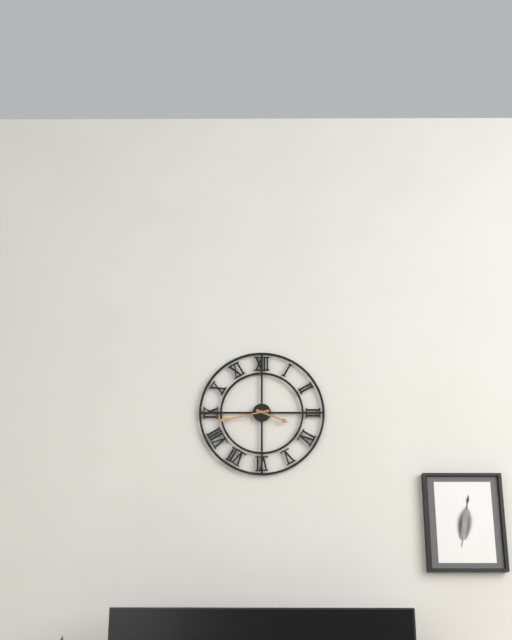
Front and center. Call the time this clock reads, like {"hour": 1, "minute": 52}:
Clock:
{"hour": 3, "minute": 43}
